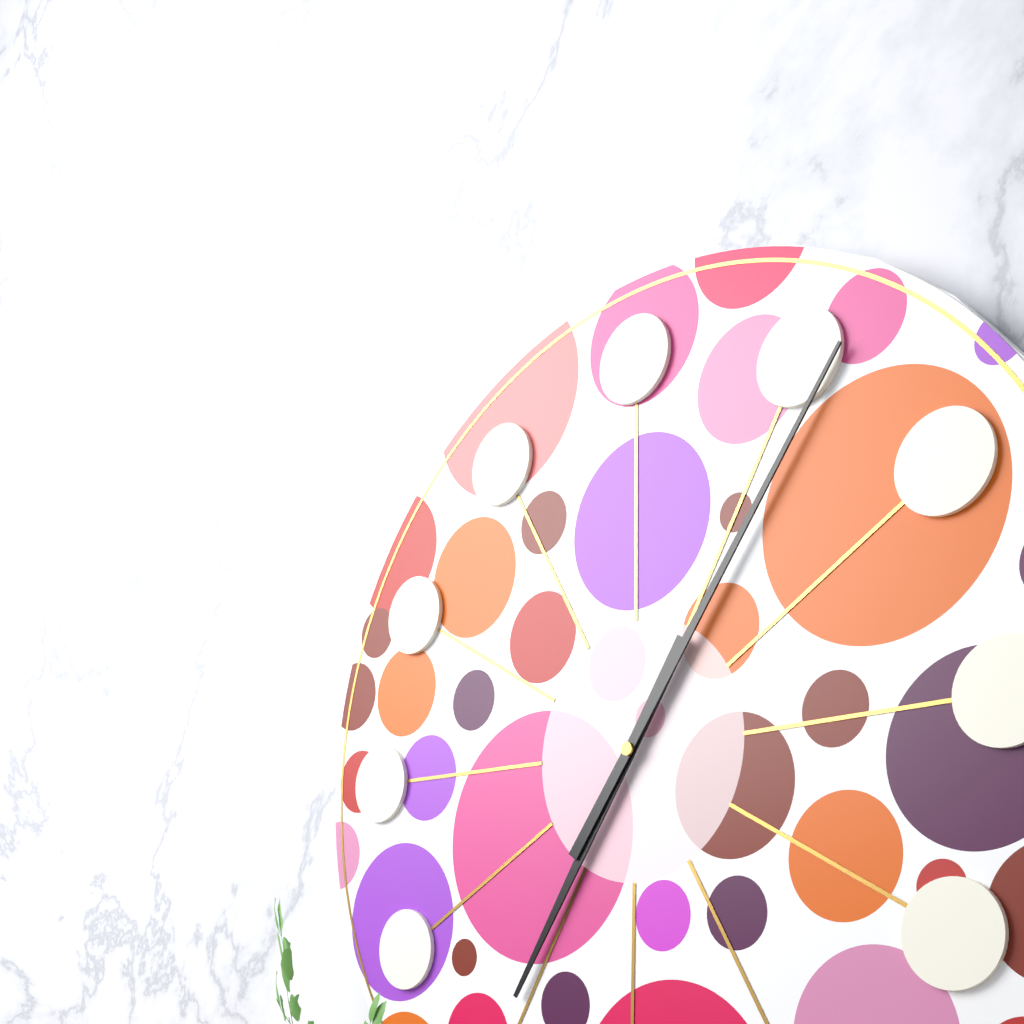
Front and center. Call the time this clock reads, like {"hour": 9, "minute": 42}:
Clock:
{"hour": 7, "minute": 6}
